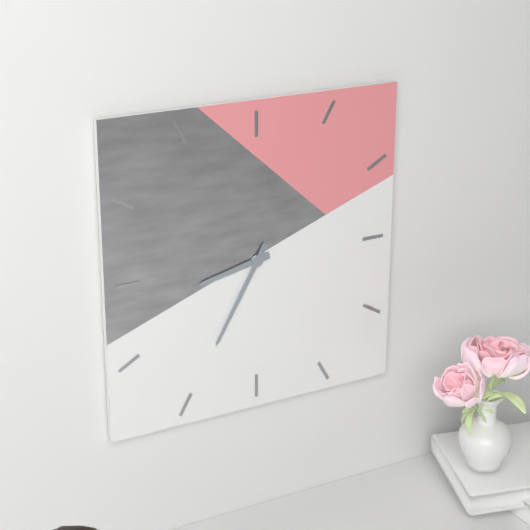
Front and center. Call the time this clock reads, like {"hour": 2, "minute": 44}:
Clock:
{"hour": 8, "minute": 35}
